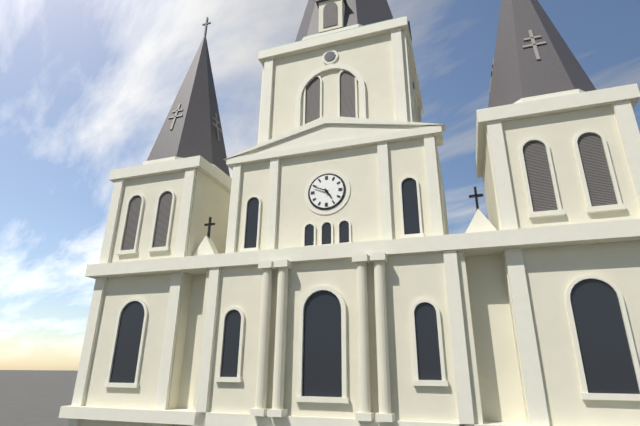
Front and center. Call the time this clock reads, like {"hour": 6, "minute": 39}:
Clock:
{"hour": 4, "minute": 49}
